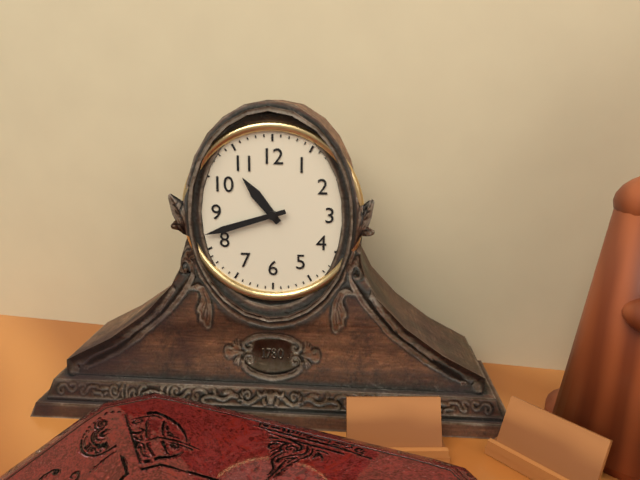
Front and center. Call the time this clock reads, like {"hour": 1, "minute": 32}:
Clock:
{"hour": 10, "minute": 42}
